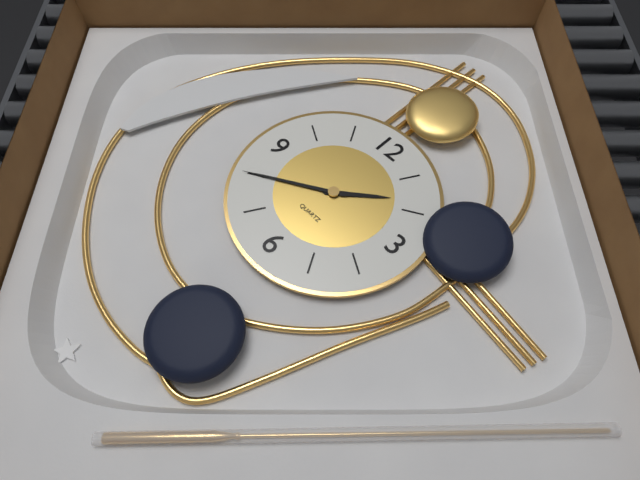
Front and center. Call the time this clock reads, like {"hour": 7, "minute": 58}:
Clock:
{"hour": 1, "minute": 40}
